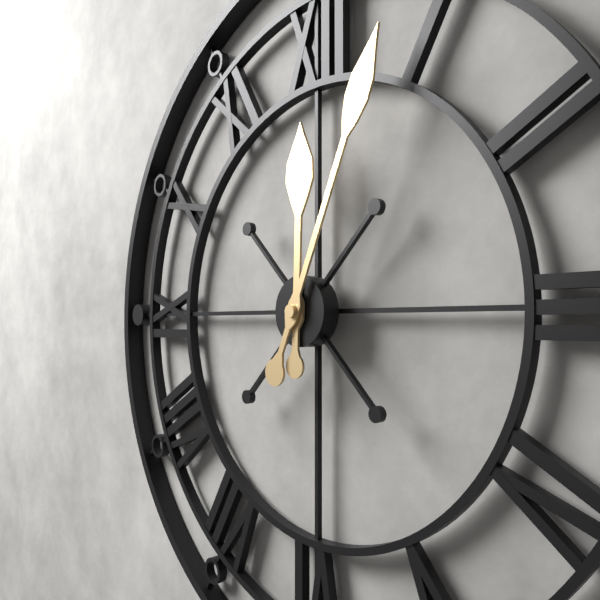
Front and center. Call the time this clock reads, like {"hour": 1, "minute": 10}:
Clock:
{"hour": 12, "minute": 4}
